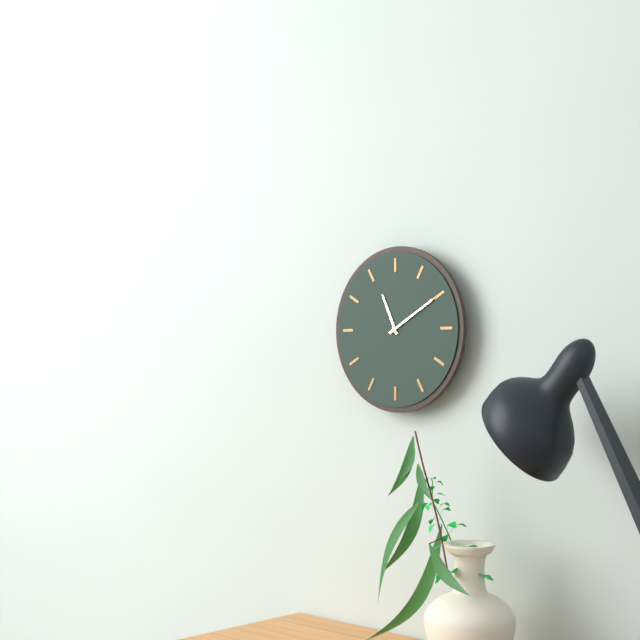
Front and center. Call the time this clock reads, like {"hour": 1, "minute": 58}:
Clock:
{"hour": 11, "minute": 10}
